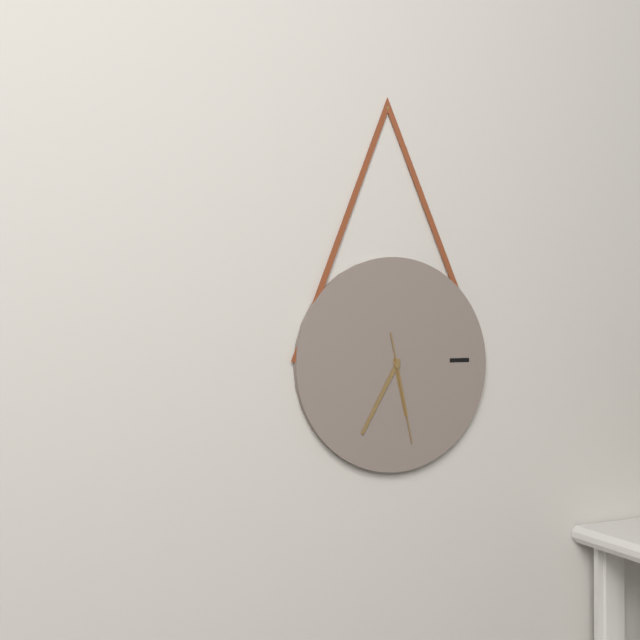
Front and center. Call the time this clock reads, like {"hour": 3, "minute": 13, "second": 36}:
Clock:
{"hour": 5, "minute": 35, "second": 28}
